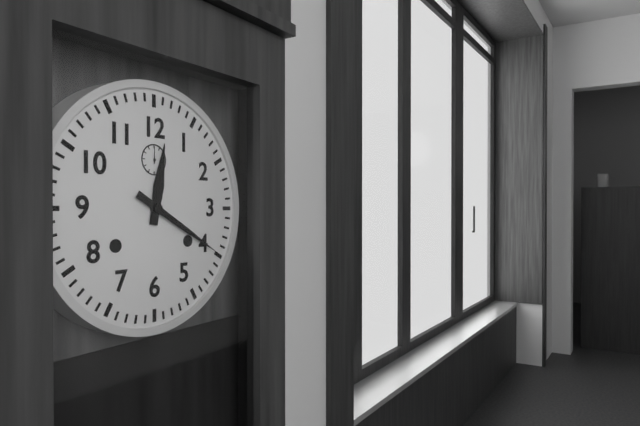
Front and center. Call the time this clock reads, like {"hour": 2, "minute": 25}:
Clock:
{"hour": 12, "minute": 20}
